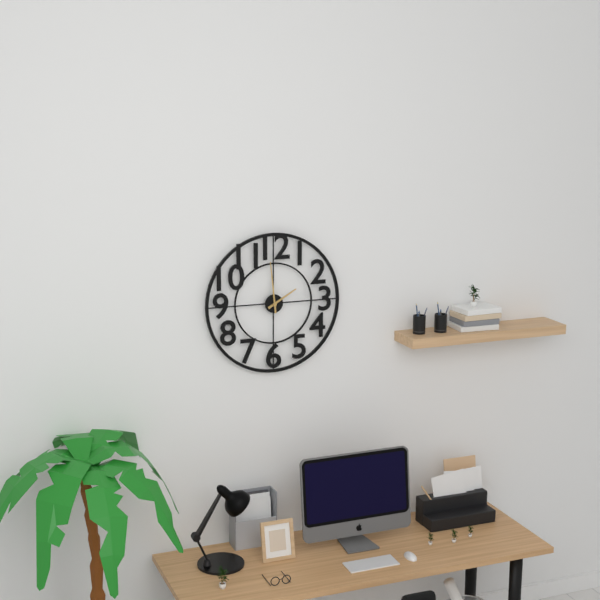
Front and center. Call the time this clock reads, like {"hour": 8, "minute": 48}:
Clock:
{"hour": 1, "minute": 59}
